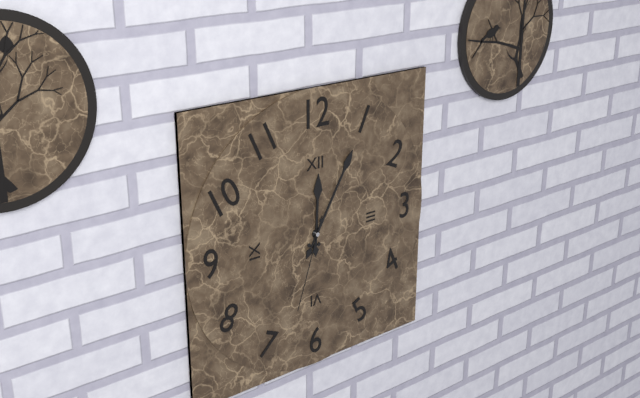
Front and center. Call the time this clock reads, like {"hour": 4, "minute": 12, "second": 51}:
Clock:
{"hour": 12, "minute": 5, "second": 33}
